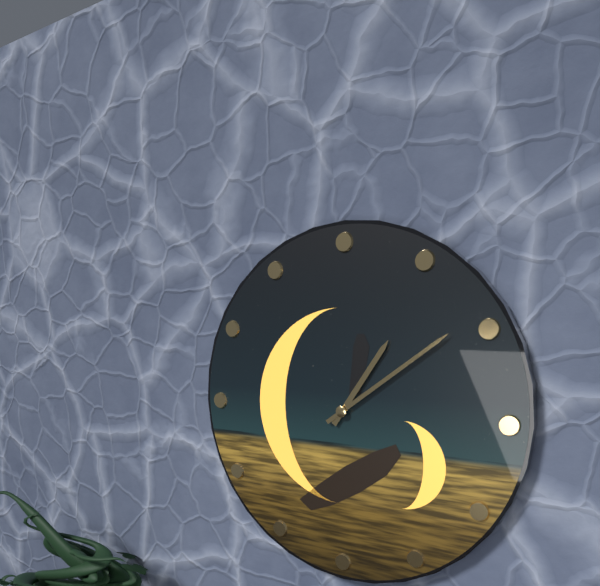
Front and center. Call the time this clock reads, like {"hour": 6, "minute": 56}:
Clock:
{"hour": 1, "minute": 9}
